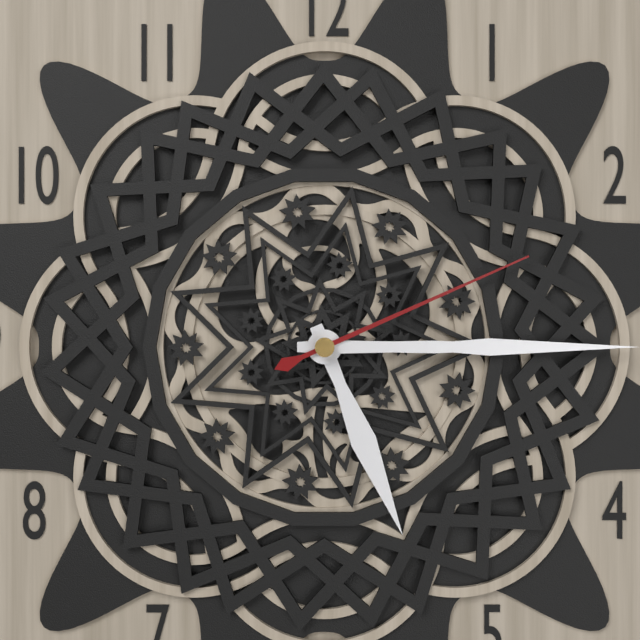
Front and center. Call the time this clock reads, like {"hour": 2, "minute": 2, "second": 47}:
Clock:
{"hour": 5, "minute": 15, "second": 11}
